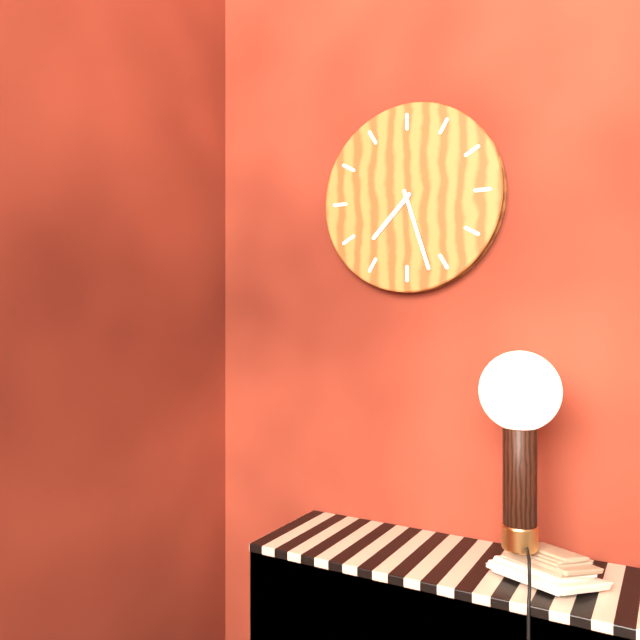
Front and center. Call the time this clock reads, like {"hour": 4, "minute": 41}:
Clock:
{"hour": 7, "minute": 27}
